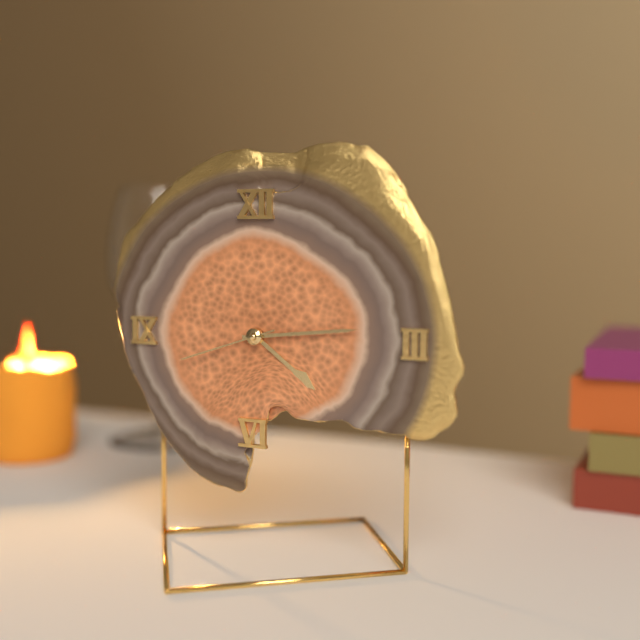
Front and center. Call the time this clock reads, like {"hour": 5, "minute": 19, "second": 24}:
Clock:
{"hour": 4, "minute": 14, "second": 42}
